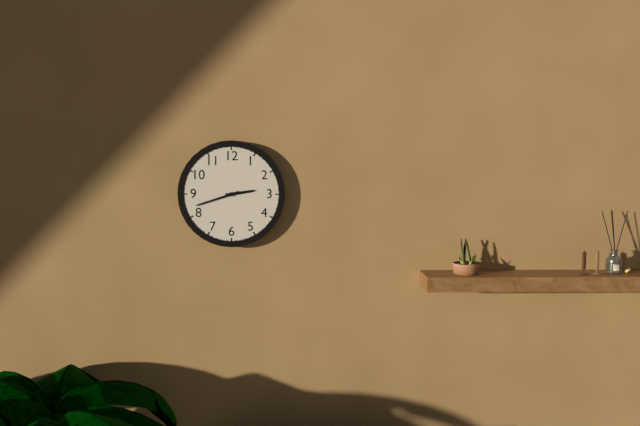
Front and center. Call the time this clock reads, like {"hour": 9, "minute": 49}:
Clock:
{"hour": 2, "minute": 42}
